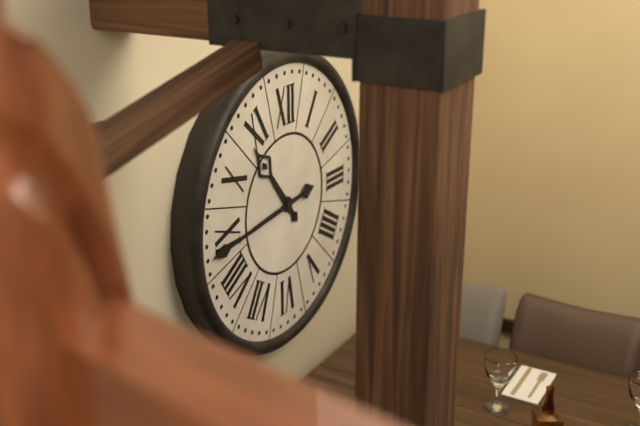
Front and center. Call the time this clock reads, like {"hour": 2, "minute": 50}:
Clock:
{"hour": 10, "minute": 44}
